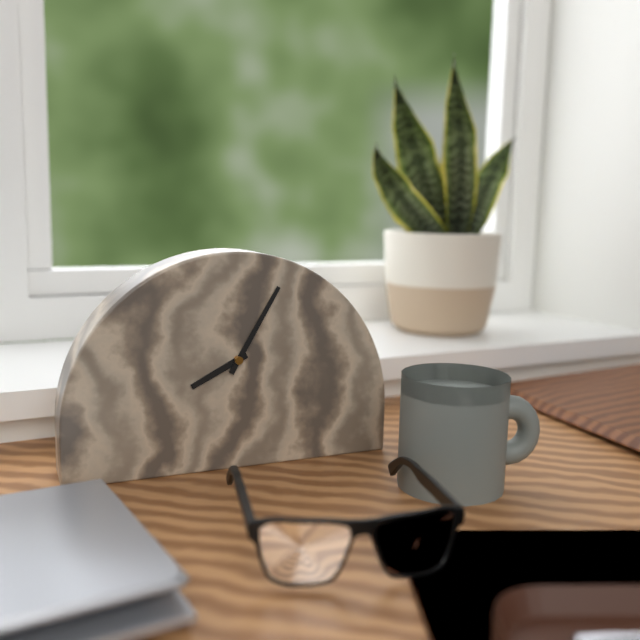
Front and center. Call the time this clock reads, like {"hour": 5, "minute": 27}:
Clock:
{"hour": 8, "minute": 5}
